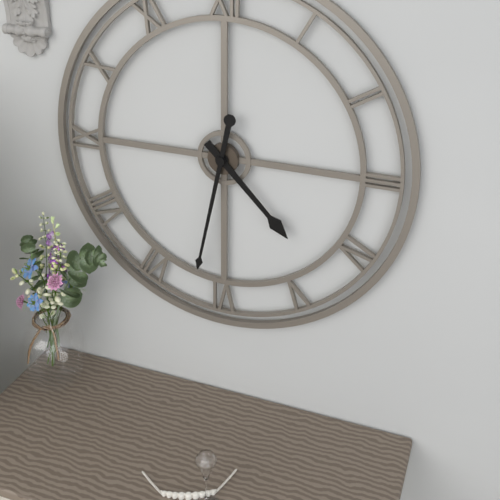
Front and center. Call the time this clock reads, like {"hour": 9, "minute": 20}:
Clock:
{"hour": 4, "minute": 32}
